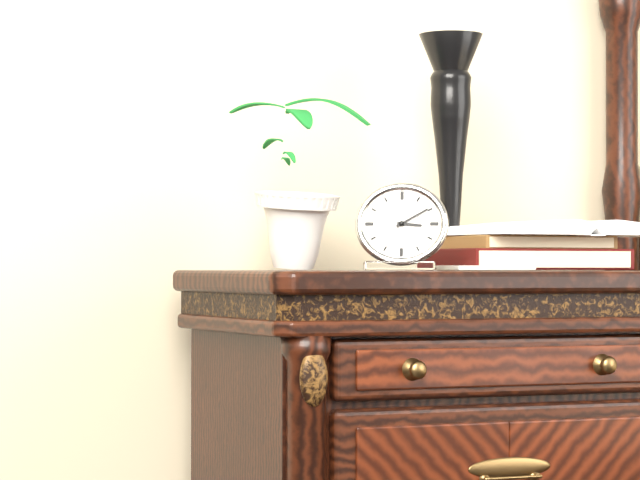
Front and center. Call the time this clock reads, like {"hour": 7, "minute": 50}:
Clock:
{"hour": 3, "minute": 10}
